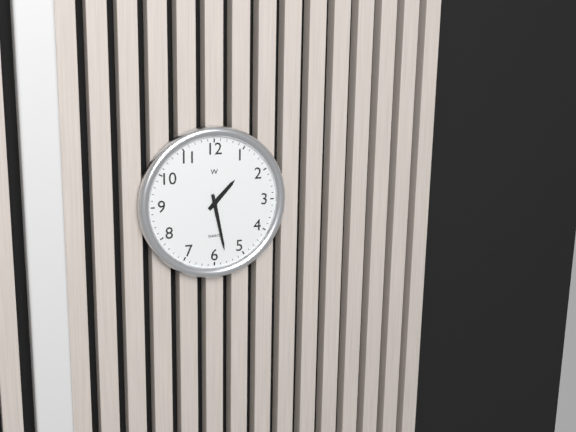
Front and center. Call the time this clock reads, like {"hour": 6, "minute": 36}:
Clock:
{"hour": 1, "minute": 28}
